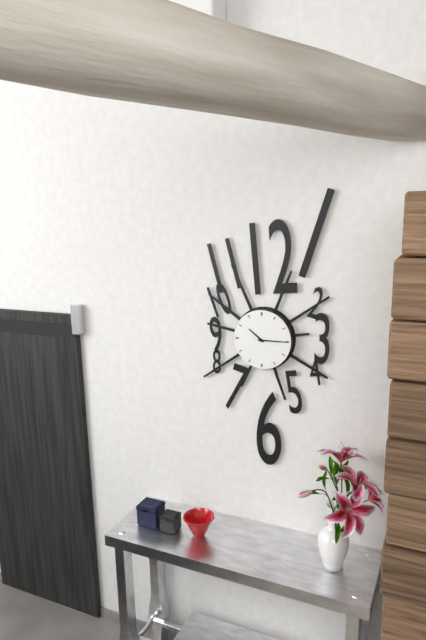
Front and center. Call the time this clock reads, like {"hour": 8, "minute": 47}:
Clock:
{"hour": 10, "minute": 15}
